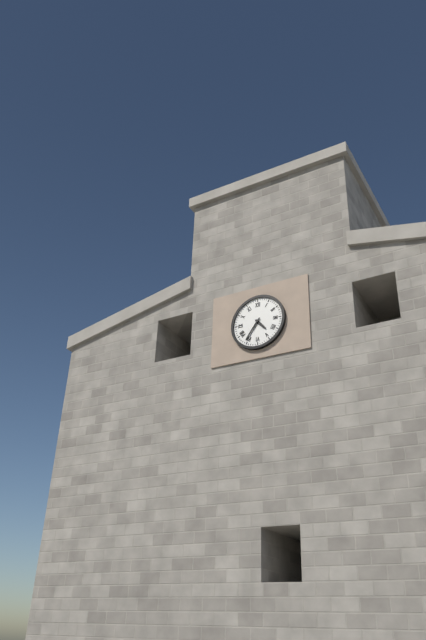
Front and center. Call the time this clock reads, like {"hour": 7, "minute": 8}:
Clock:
{"hour": 4, "minute": 36}
